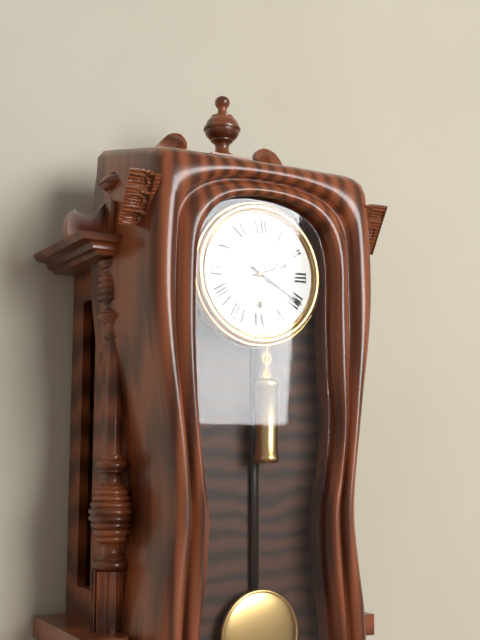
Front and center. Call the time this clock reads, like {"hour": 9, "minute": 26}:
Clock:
{"hour": 2, "minute": 20}
